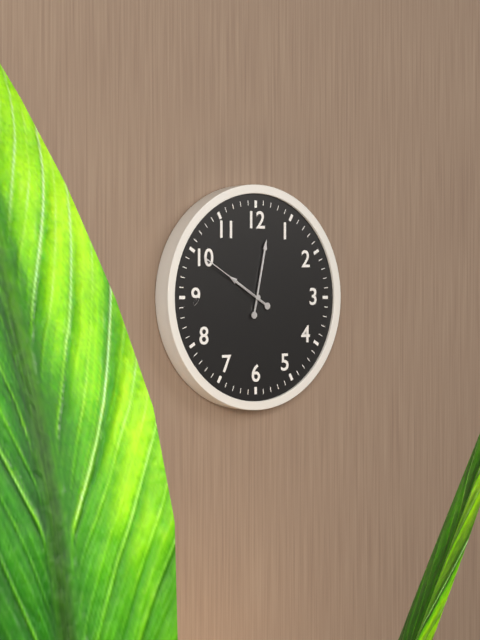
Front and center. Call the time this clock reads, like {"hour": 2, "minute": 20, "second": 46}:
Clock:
{"hour": 10, "minute": 2, "second": 50}
